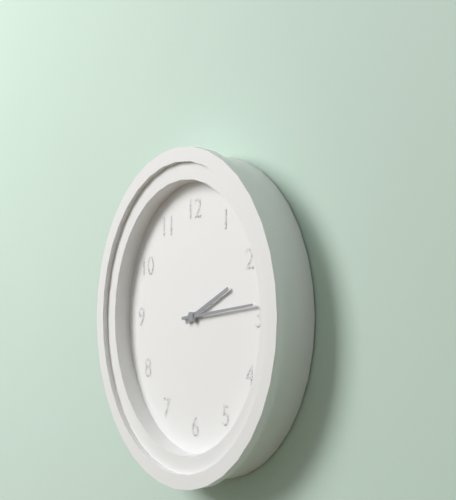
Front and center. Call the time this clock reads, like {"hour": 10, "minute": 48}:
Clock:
{"hour": 2, "minute": 14}
